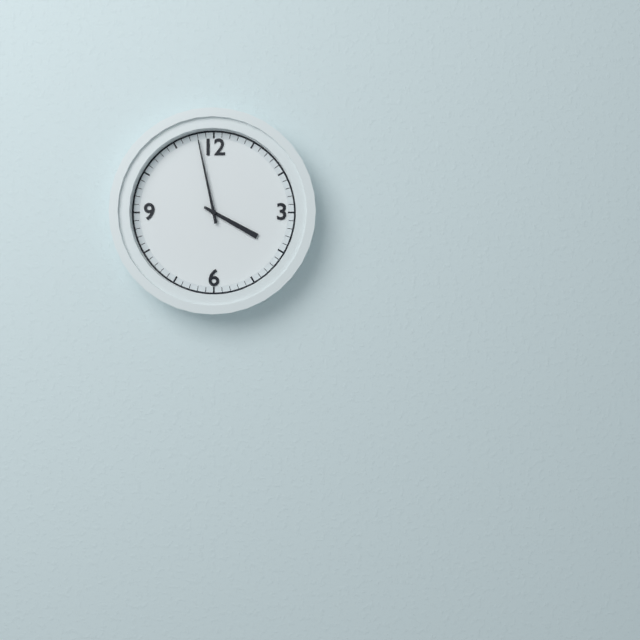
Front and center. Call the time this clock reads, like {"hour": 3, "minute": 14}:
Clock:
{"hour": 3, "minute": 58}
